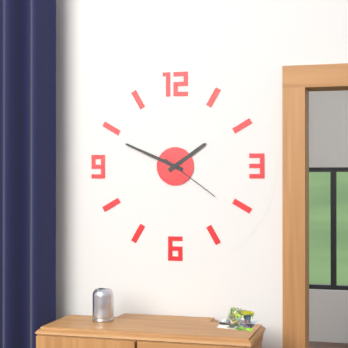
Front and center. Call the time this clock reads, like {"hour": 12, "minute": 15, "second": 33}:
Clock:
{"hour": 1, "minute": 49, "second": 21}
